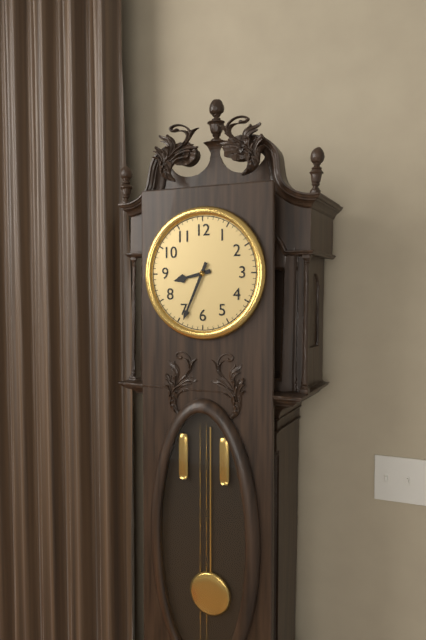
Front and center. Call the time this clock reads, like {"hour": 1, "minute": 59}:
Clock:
{"hour": 8, "minute": 34}
